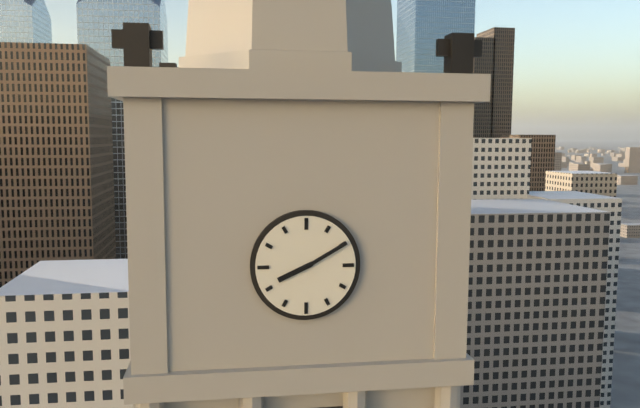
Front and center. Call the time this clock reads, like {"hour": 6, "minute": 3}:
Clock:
{"hour": 8, "minute": 10}
